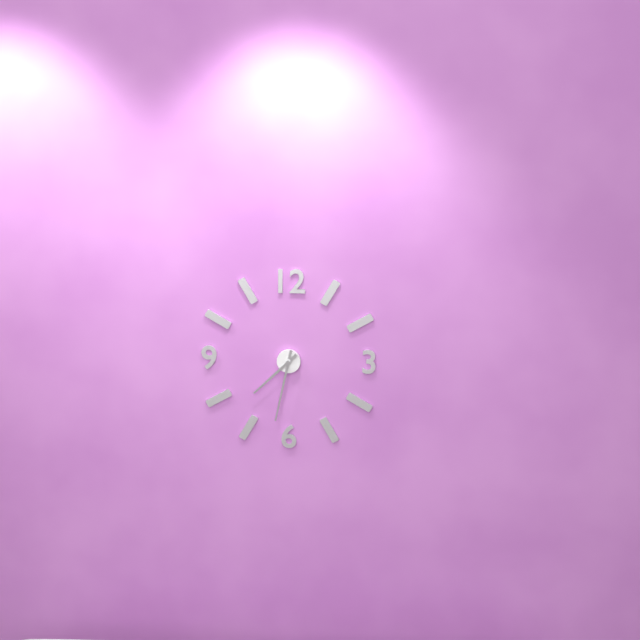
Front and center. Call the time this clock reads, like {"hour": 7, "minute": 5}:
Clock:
{"hour": 7, "minute": 32}
